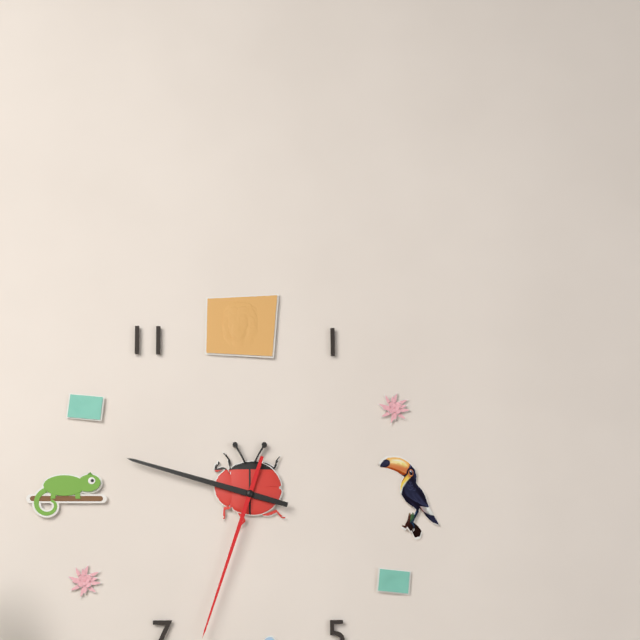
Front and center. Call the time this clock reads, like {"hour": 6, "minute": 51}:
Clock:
{"hour": 9, "minute": 33}
